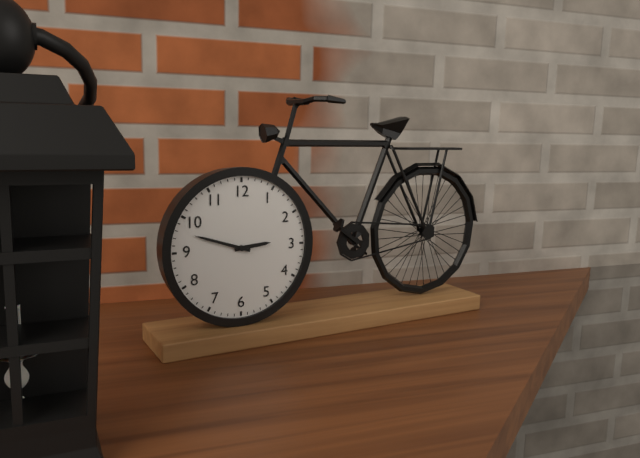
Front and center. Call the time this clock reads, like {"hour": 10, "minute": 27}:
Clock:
{"hour": 2, "minute": 48}
